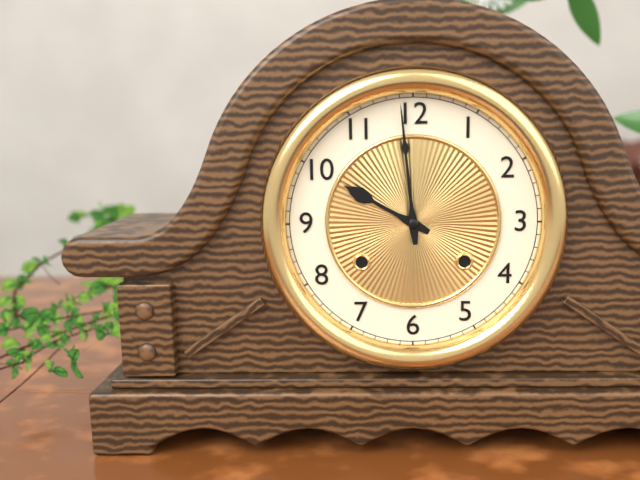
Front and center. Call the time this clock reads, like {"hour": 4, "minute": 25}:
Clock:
{"hour": 9, "minute": 59}
